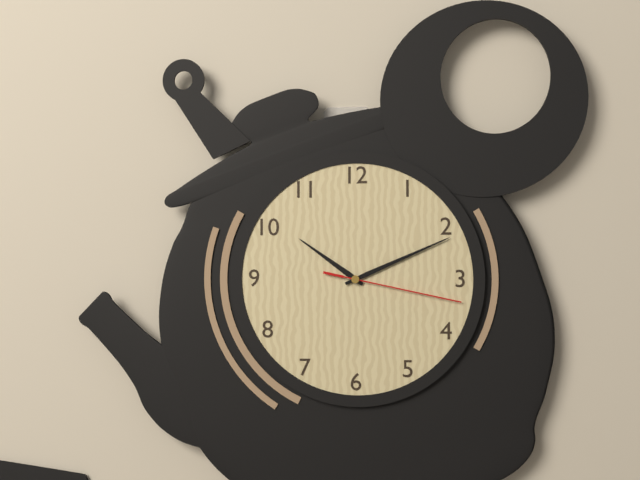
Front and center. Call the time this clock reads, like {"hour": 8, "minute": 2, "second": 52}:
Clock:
{"hour": 10, "minute": 11, "second": 17}
